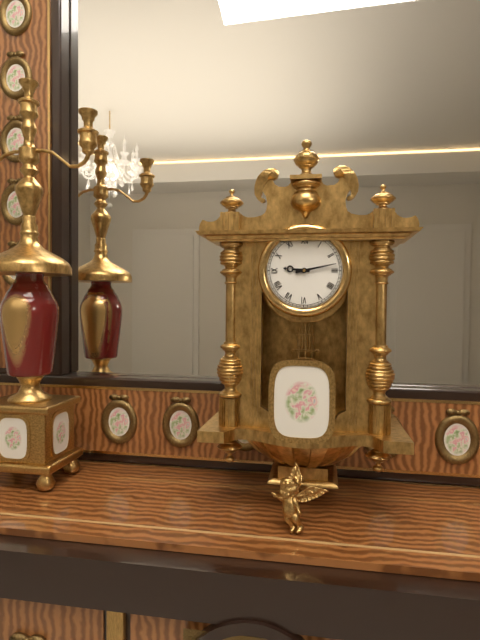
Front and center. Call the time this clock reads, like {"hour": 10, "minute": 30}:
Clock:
{"hour": 9, "minute": 13}
